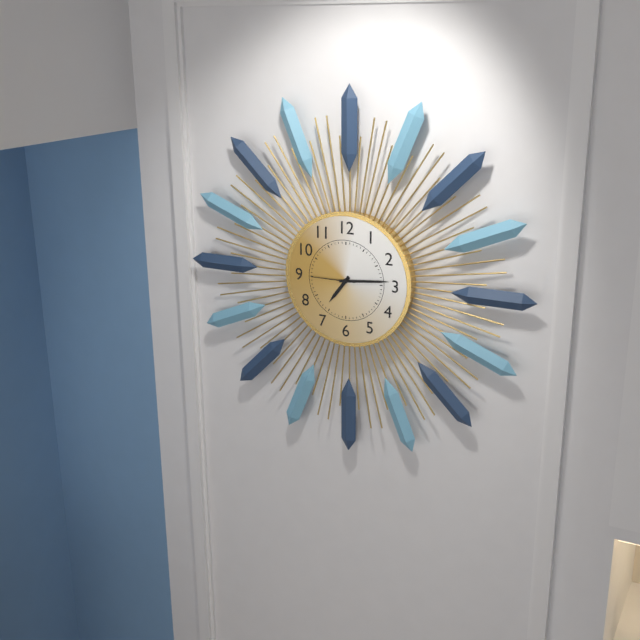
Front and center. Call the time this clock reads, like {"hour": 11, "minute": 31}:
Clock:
{"hour": 7, "minute": 14}
